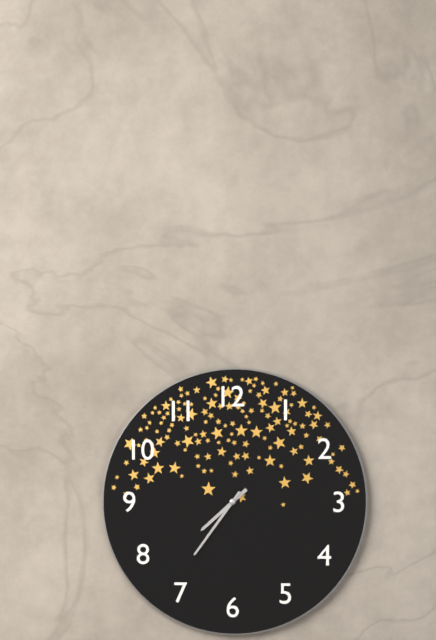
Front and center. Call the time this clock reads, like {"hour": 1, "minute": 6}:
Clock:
{"hour": 7, "minute": 36}
